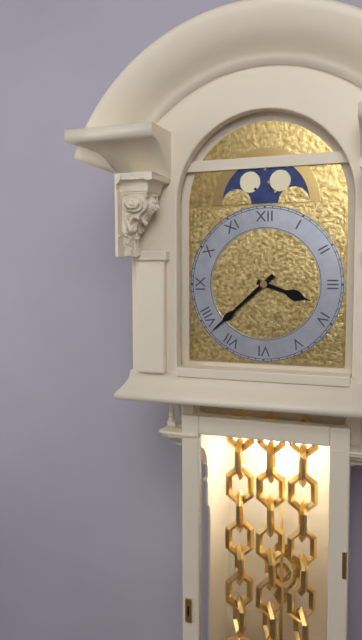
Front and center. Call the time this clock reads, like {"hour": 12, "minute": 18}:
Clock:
{"hour": 3, "minute": 38}
